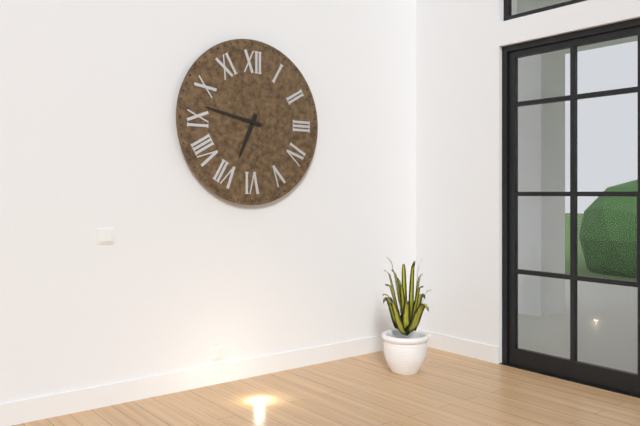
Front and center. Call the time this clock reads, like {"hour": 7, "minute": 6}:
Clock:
{"hour": 6, "minute": 47}
